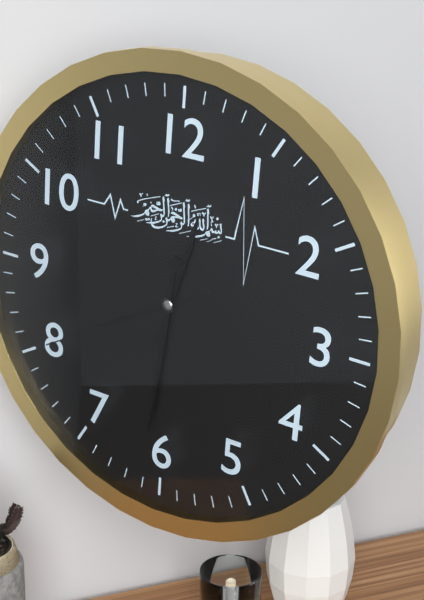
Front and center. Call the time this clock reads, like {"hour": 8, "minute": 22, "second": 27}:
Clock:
{"hour": 12, "minute": 31, "second": 40}
